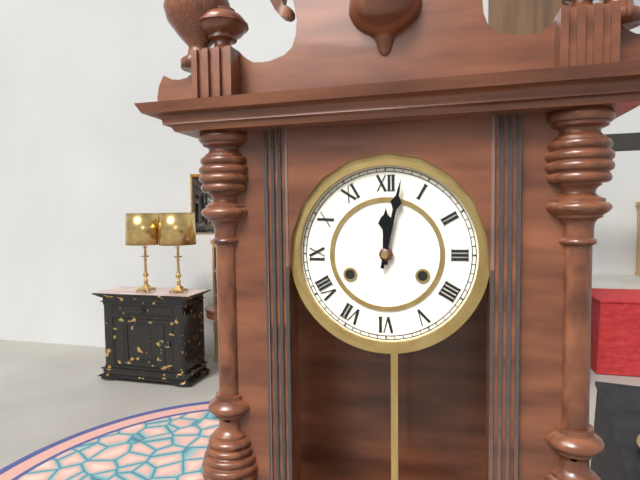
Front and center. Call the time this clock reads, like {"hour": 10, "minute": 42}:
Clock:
{"hour": 12, "minute": 2}
